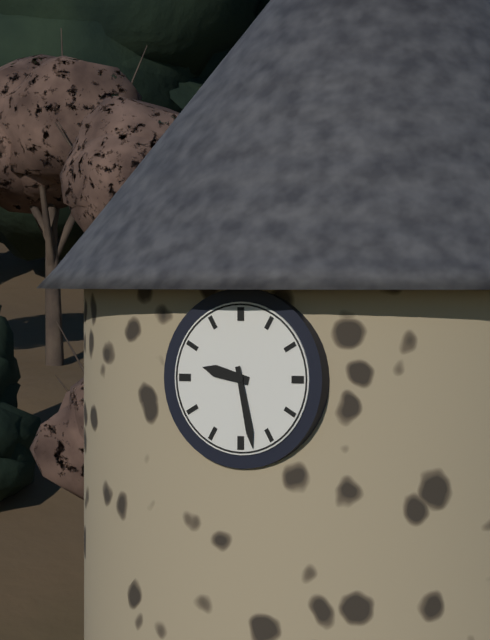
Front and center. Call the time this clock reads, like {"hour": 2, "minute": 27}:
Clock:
{"hour": 9, "minute": 28}
